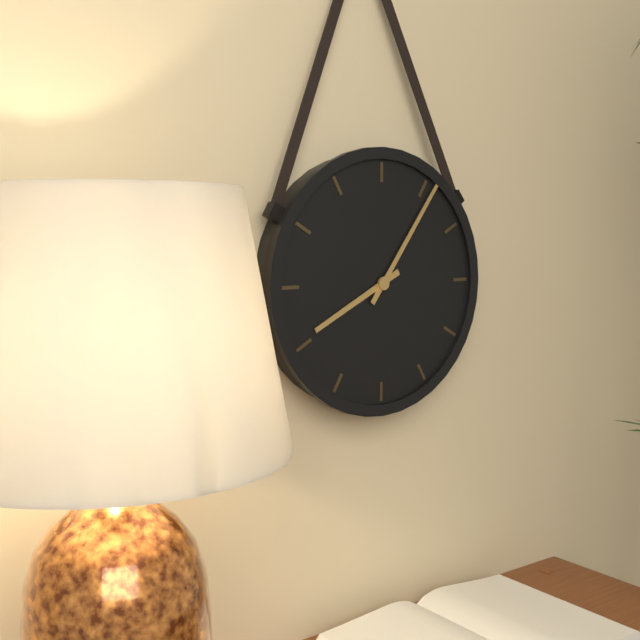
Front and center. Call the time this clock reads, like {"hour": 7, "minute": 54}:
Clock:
{"hour": 8, "minute": 6}
